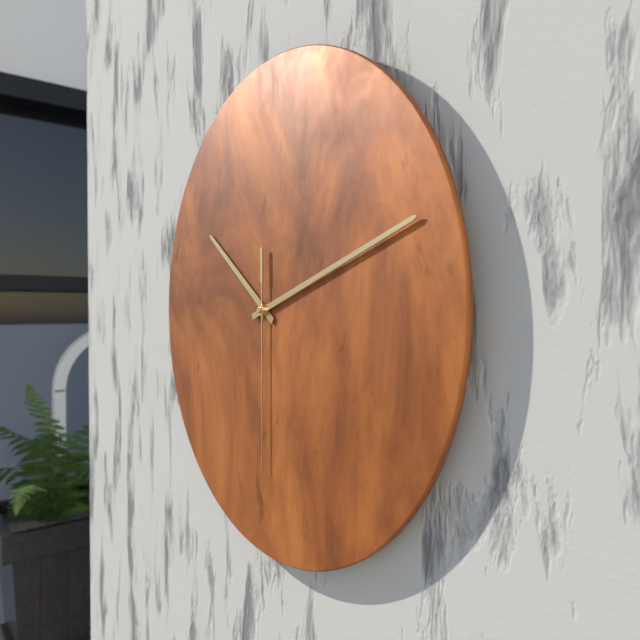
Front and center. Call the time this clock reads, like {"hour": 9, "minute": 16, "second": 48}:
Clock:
{"hour": 10, "minute": 12, "second": 30}
